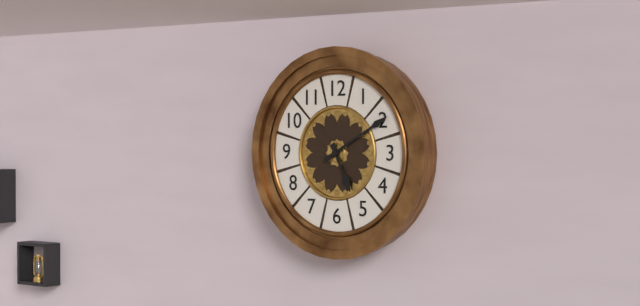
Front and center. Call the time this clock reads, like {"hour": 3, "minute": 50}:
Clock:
{"hour": 5, "minute": 10}
